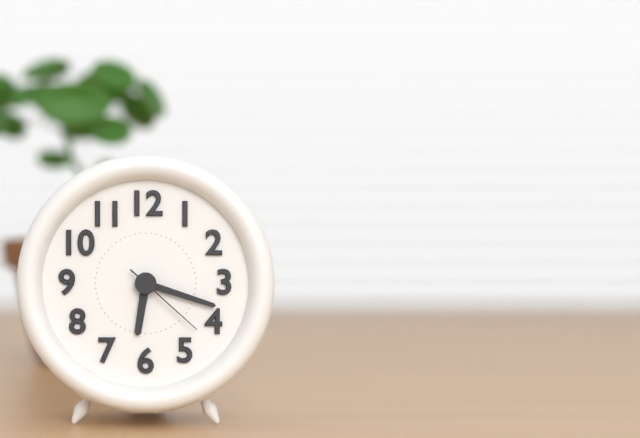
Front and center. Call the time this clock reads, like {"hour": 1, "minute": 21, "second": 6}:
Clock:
{"hour": 6, "minute": 18, "second": 22}
